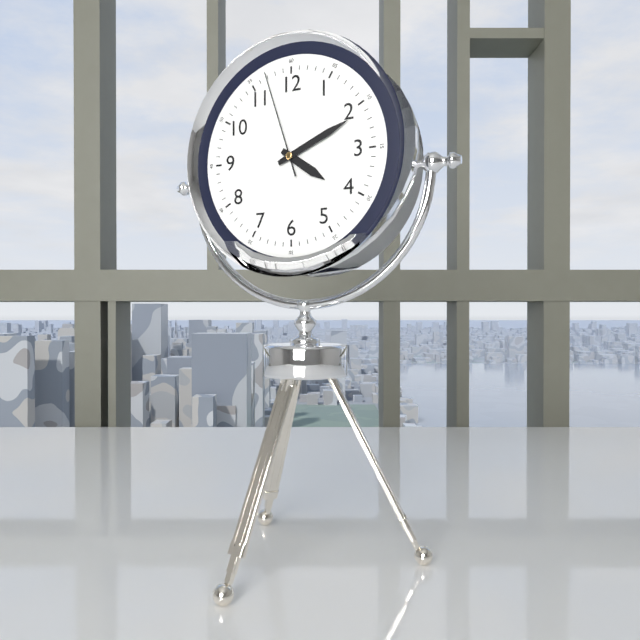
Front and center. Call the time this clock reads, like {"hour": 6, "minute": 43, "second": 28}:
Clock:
{"hour": 4, "minute": 11, "second": 57}
